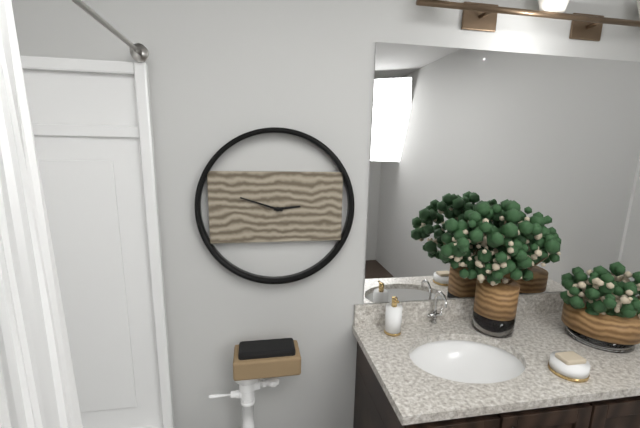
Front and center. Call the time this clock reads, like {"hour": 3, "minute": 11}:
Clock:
{"hour": 2, "minute": 48}
